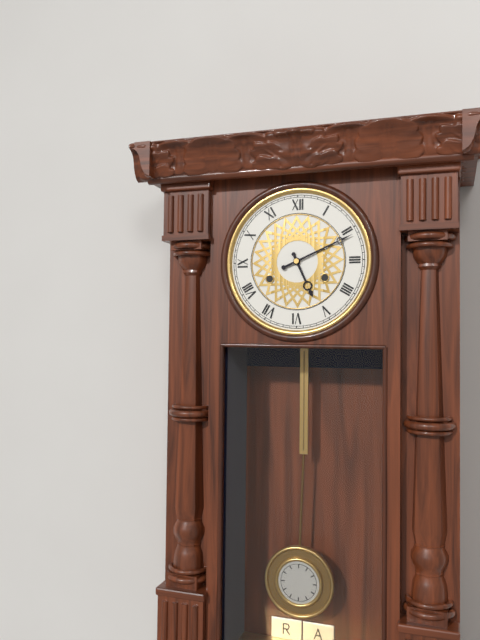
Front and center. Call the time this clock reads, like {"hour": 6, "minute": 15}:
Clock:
{"hour": 5, "minute": 11}
